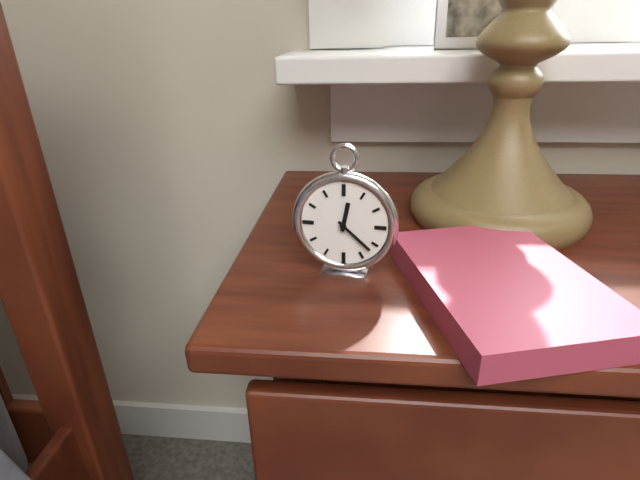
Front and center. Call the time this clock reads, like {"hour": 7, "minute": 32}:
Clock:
{"hour": 12, "minute": 22}
